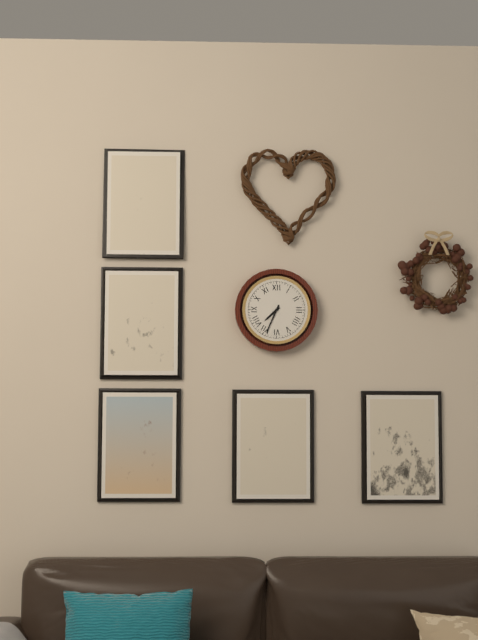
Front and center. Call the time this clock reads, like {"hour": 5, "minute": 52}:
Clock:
{"hour": 7, "minute": 34}
